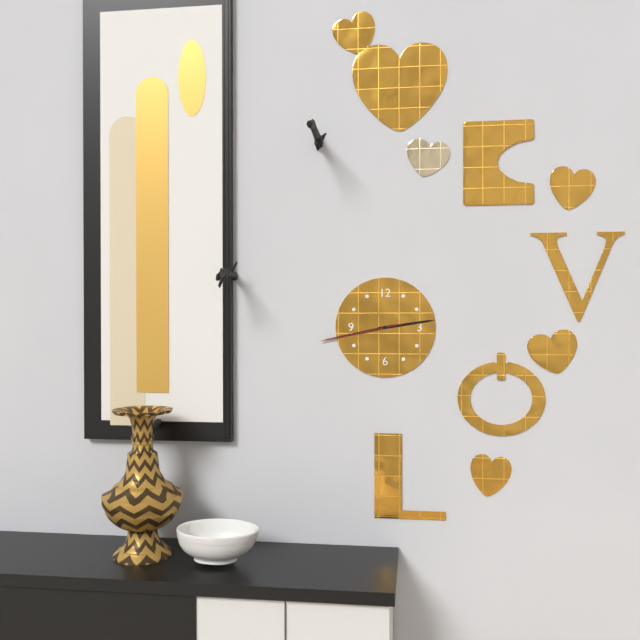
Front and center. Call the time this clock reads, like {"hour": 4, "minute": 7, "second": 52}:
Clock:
{"hour": 2, "minute": 43, "second": 43}
